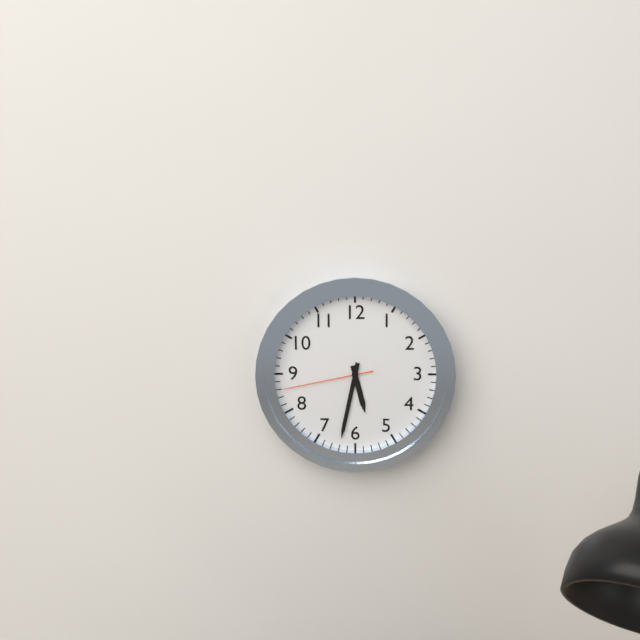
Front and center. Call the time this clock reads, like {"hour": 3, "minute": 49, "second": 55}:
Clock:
{"hour": 5, "minute": 32, "second": 43}
